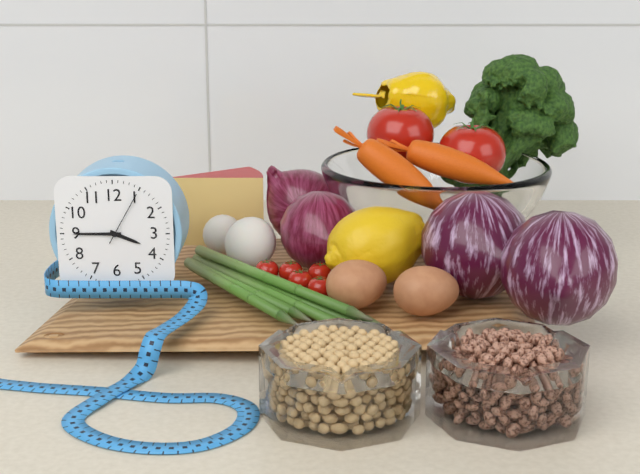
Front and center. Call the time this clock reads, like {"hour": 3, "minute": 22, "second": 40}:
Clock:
{"hour": 3, "minute": 45, "second": 5}
